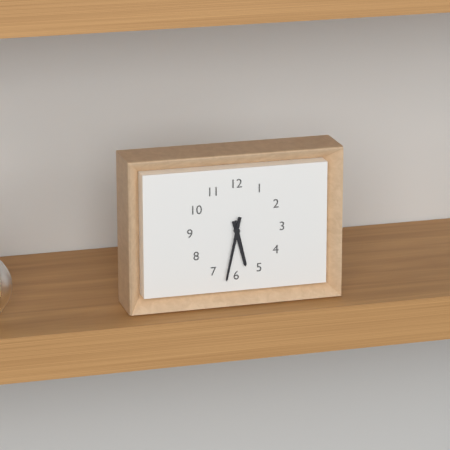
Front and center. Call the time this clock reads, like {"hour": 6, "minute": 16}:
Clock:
{"hour": 5, "minute": 32}
